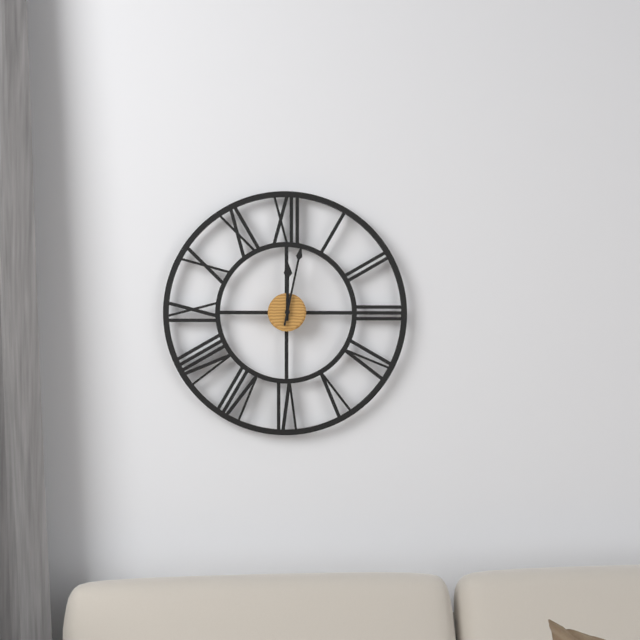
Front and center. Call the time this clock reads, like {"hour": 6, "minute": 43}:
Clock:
{"hour": 12, "minute": 2}
